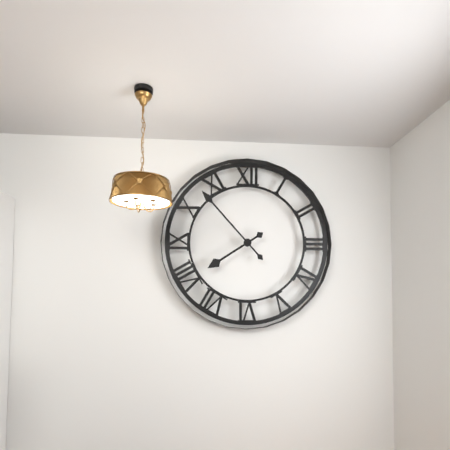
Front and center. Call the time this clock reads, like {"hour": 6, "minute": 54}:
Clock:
{"hour": 7, "minute": 53}
